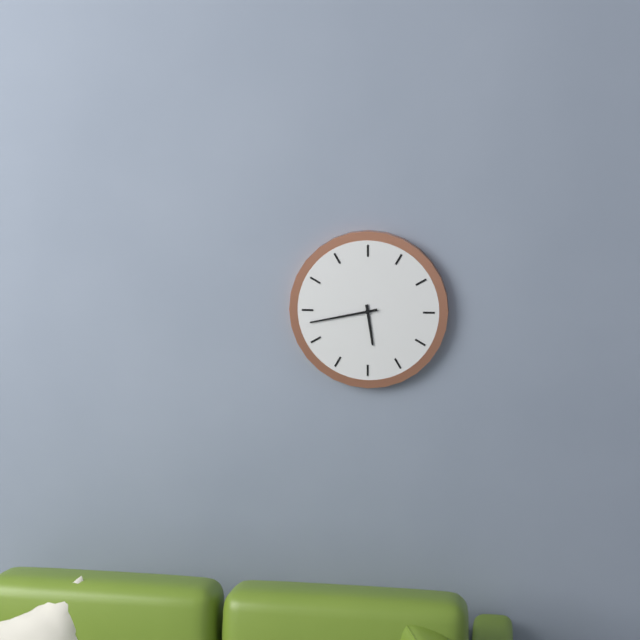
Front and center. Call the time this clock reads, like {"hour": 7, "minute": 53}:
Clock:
{"hour": 5, "minute": 43}
